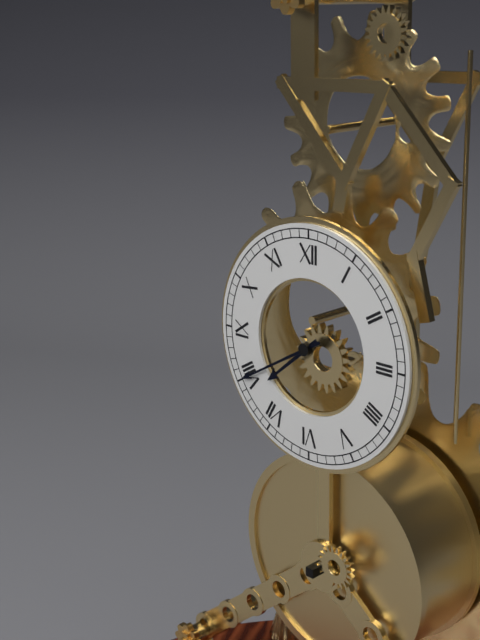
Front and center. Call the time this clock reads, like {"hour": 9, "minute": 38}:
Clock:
{"hour": 7, "minute": 40}
